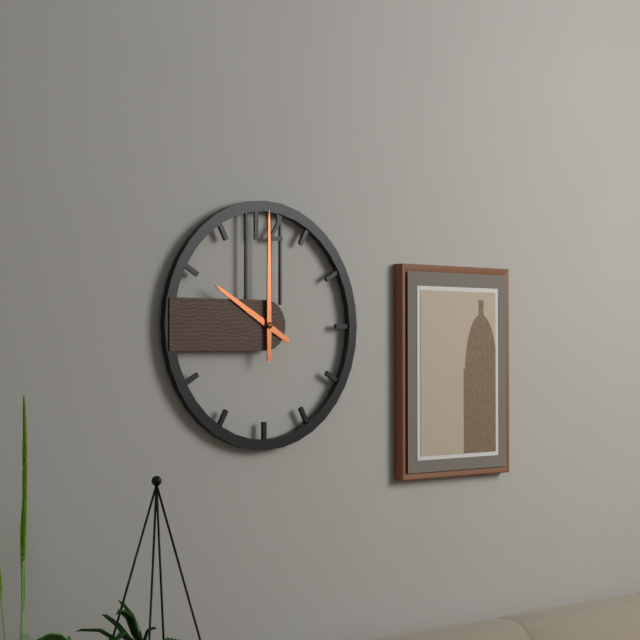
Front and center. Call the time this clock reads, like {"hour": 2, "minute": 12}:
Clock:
{"hour": 10, "minute": 0}
